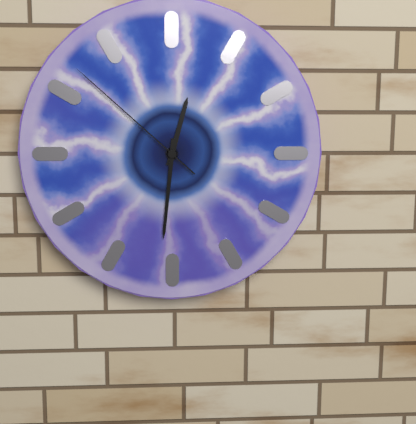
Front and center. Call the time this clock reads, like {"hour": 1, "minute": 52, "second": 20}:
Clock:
{"hour": 12, "minute": 31, "second": 52}
